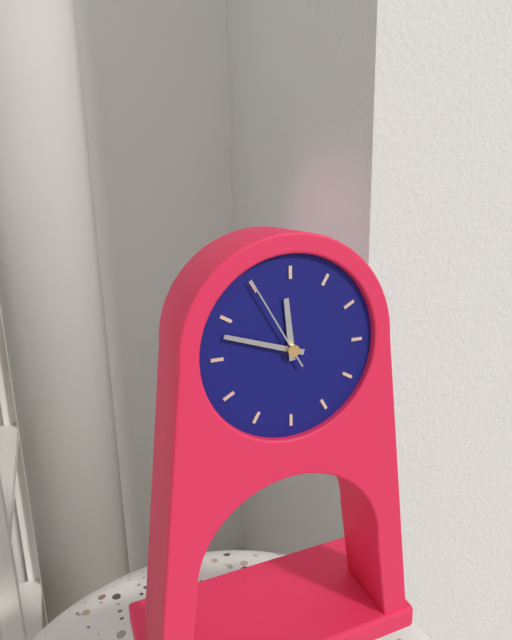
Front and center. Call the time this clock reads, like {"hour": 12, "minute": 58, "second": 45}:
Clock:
{"hour": 11, "minute": 48, "second": 55}
